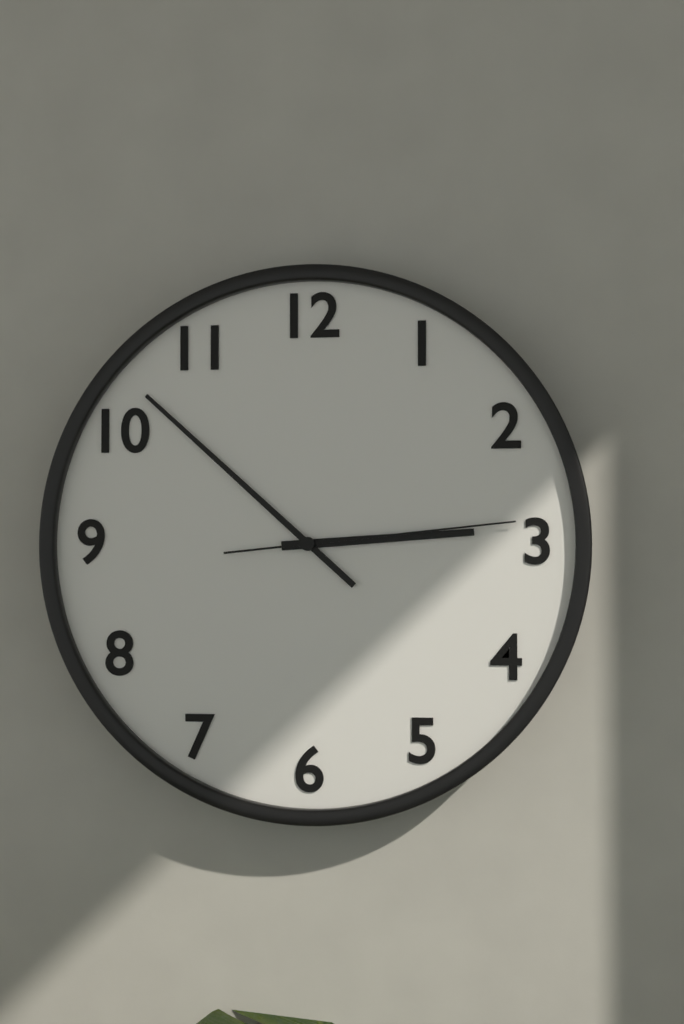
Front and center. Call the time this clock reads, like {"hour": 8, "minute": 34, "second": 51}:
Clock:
{"hour": 2, "minute": 52, "second": 14}
